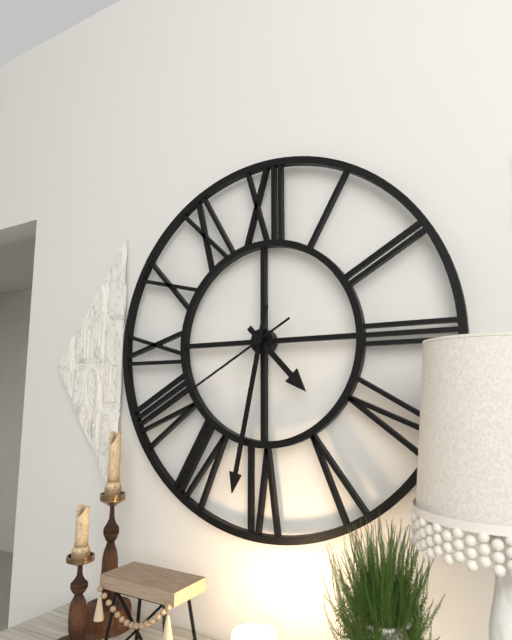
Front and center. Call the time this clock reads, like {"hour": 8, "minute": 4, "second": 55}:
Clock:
{"hour": 4, "minute": 32, "second": 40}
